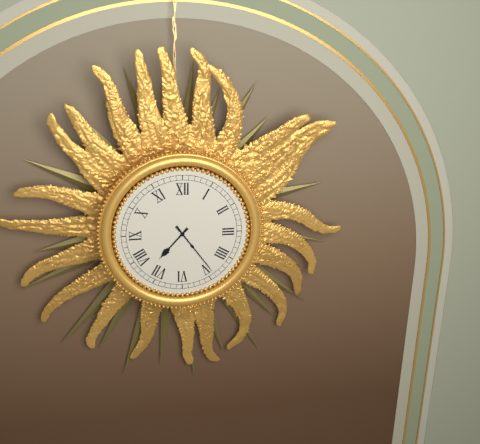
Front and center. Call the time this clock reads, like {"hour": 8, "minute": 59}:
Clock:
{"hour": 7, "minute": 24}
